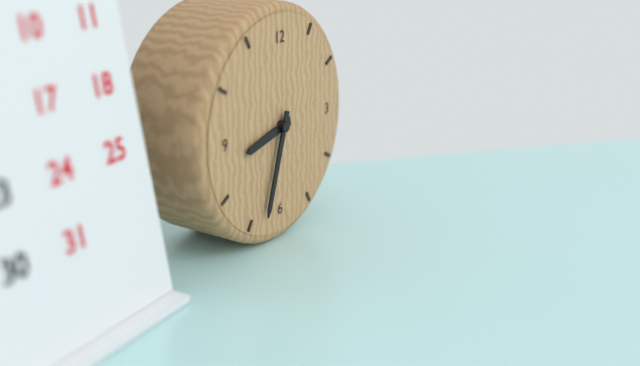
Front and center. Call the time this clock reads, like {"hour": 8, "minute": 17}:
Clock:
{"hour": 8, "minute": 33}
